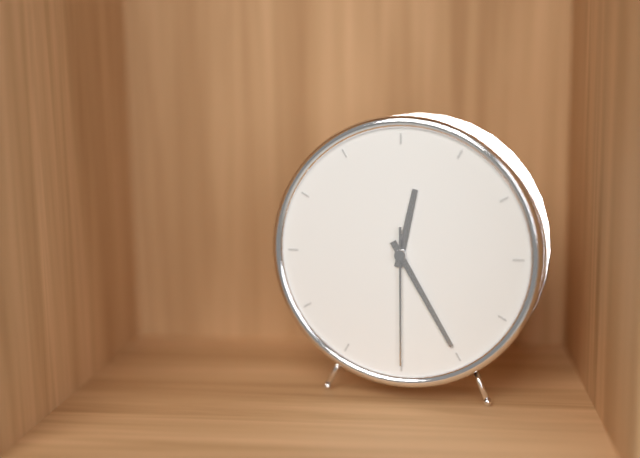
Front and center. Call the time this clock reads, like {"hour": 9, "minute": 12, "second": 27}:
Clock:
{"hour": 12, "minute": 25, "second": 30}
